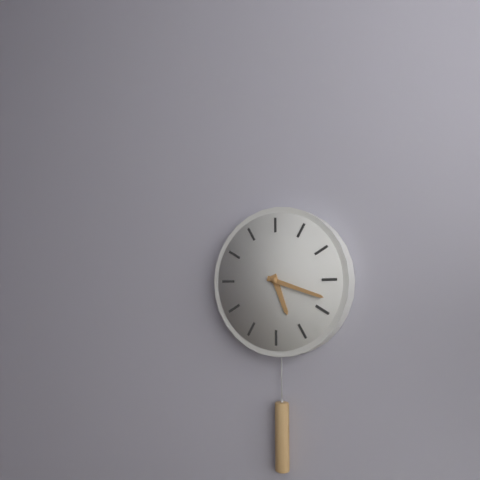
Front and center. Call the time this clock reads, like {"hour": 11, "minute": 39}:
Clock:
{"hour": 5, "minute": 18}
